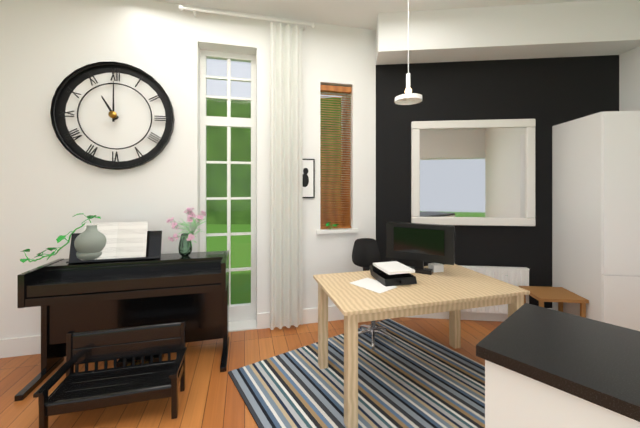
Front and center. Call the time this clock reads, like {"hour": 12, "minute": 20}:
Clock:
{"hour": 11, "minute": 0}
